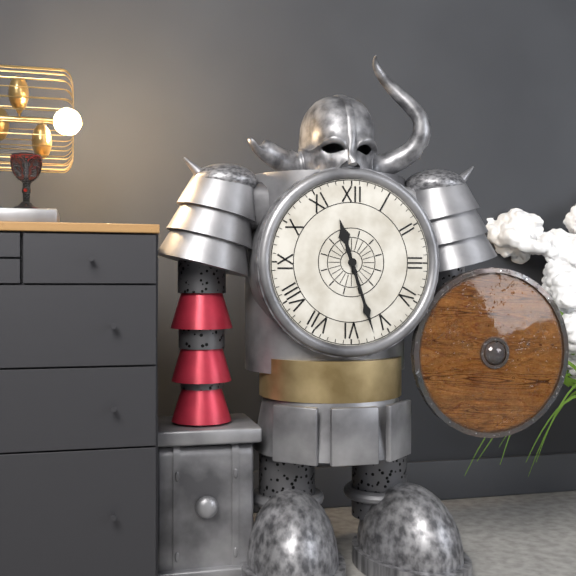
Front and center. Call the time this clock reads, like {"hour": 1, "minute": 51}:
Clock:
{"hour": 11, "minute": 27}
